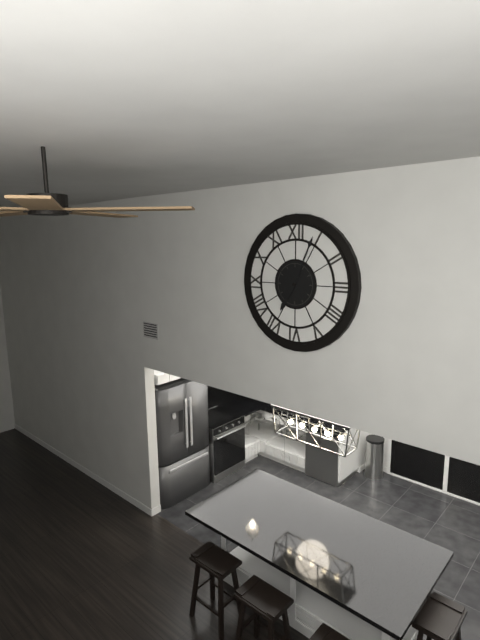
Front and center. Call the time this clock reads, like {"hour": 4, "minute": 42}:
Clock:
{"hour": 7, "minute": 4}
